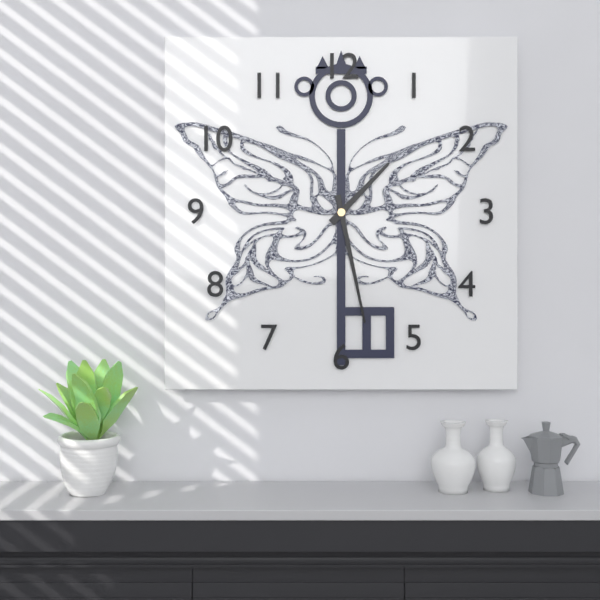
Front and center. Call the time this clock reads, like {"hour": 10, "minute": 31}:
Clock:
{"hour": 1, "minute": 28}
